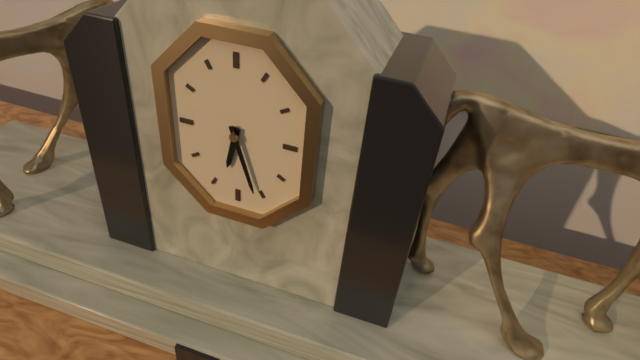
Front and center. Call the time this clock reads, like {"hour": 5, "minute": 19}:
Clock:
{"hour": 6, "minute": 27}
